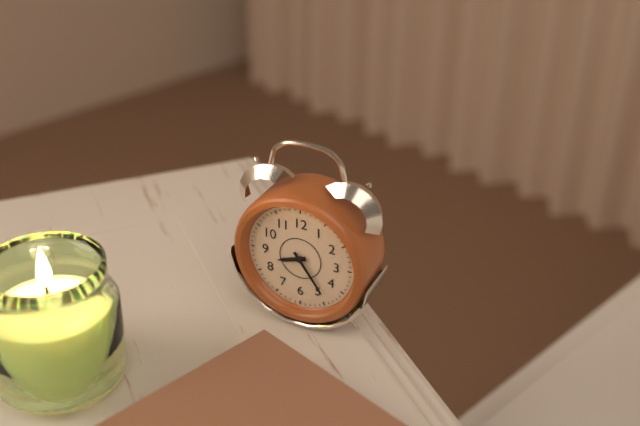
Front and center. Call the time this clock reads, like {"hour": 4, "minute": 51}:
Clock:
{"hour": 8, "minute": 24}
